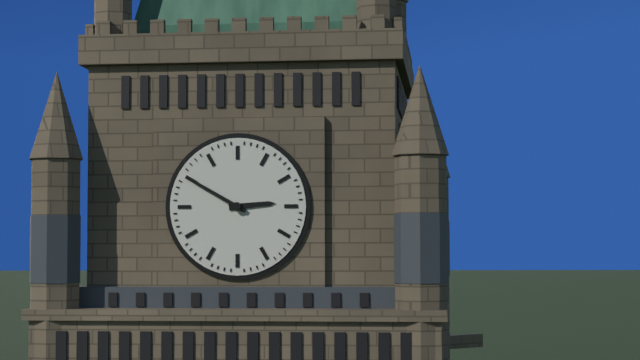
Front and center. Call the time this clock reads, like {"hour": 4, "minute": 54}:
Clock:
{"hour": 2, "minute": 50}
